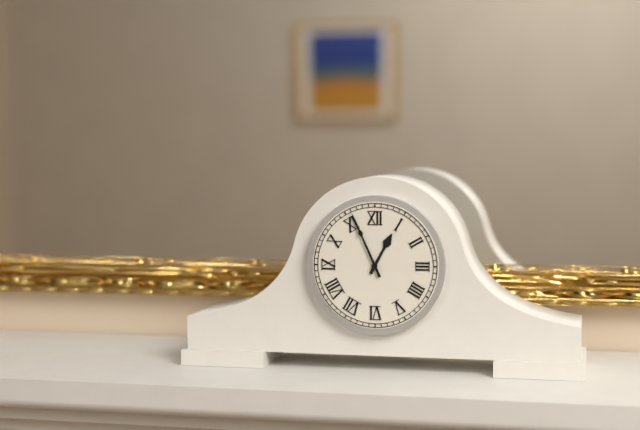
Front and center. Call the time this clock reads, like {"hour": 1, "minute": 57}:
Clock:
{"hour": 12, "minute": 56}
